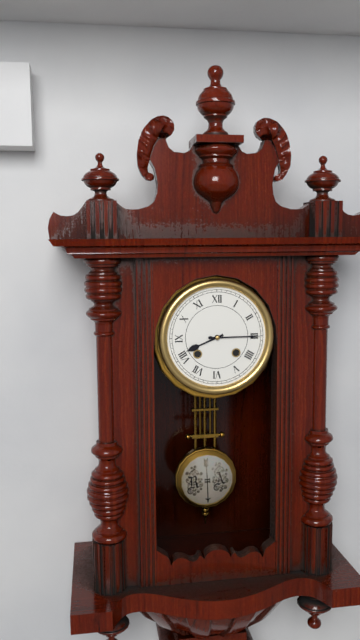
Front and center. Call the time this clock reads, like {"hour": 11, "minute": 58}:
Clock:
{"hour": 8, "minute": 15}
